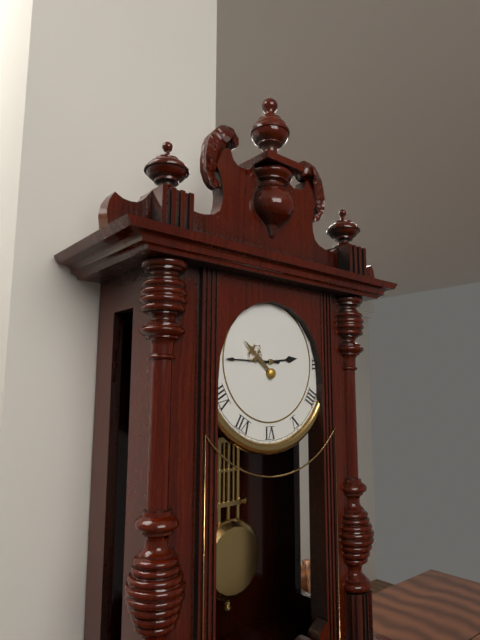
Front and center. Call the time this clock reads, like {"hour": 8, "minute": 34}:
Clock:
{"hour": 2, "minute": 45}
